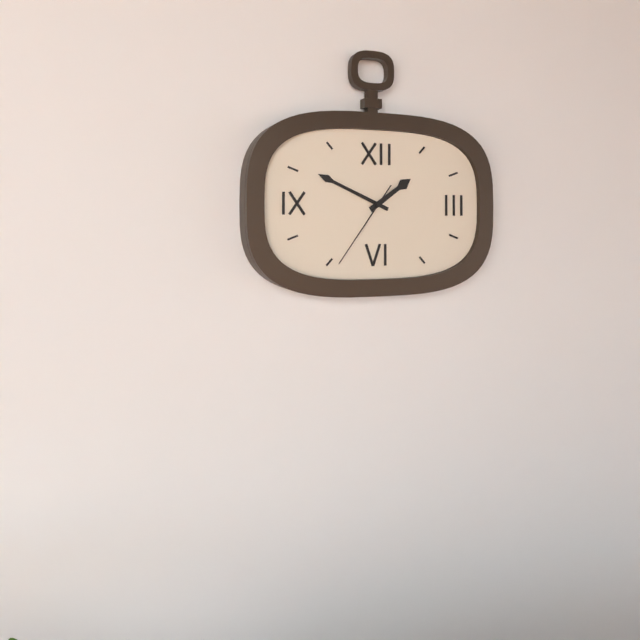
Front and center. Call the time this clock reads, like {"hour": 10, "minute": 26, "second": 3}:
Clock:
{"hour": 1, "minute": 49, "second": 36}
